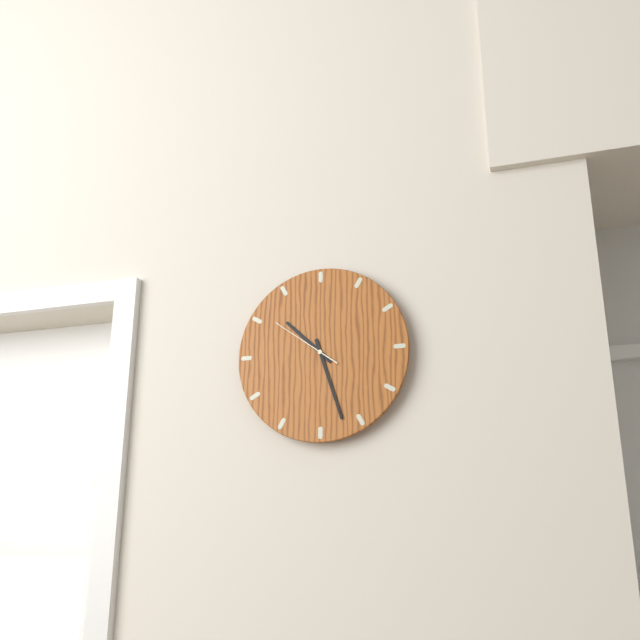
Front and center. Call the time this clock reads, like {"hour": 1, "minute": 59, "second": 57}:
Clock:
{"hour": 10, "minute": 27, "second": 51}
